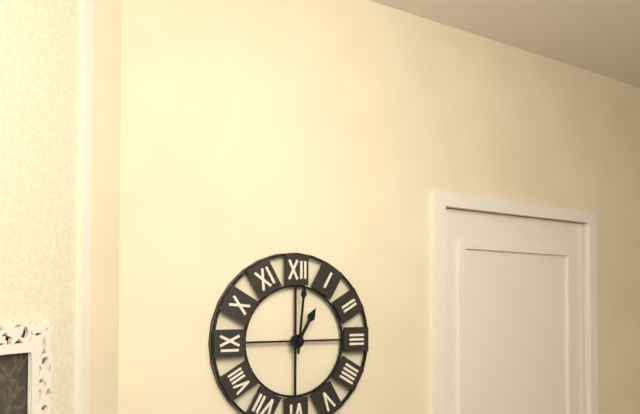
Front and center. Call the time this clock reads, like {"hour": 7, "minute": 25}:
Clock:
{"hour": 1, "minute": 1}
